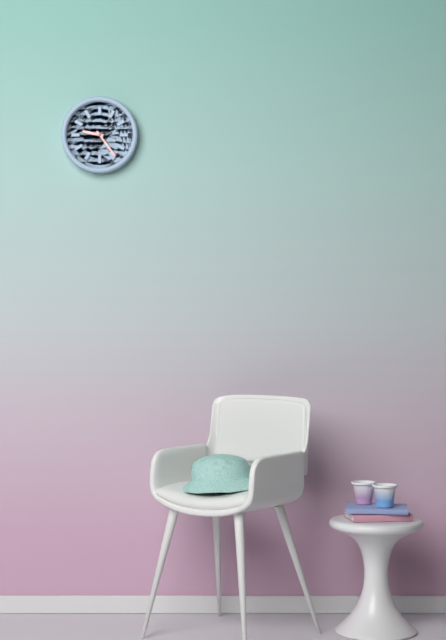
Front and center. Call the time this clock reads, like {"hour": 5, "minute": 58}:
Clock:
{"hour": 9, "minute": 24}
